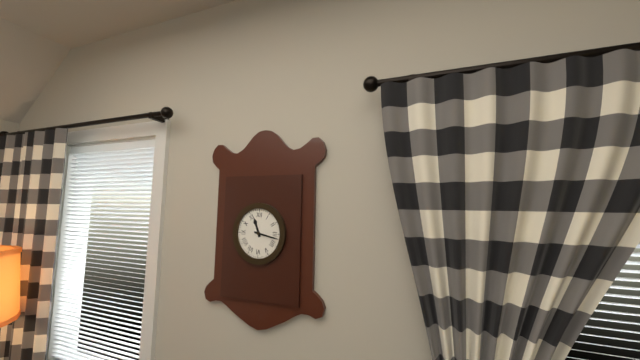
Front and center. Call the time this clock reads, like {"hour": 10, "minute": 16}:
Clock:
{"hour": 11, "minute": 17}
